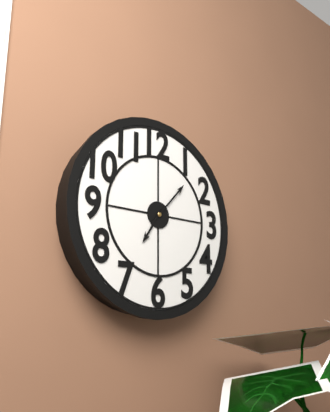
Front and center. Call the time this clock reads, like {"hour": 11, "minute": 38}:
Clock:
{"hour": 7, "minute": 7}
